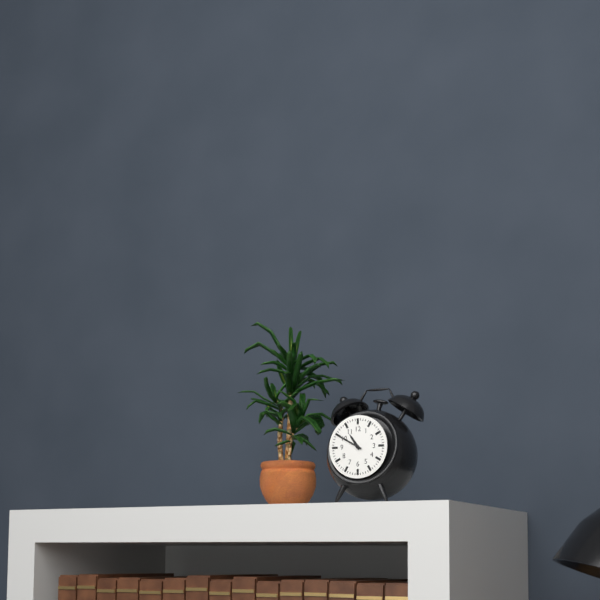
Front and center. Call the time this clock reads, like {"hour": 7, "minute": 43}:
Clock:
{"hour": 10, "minute": 50}
